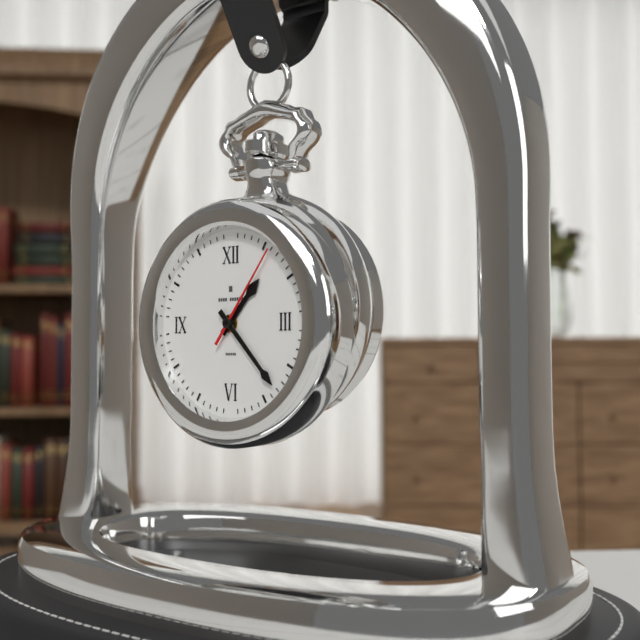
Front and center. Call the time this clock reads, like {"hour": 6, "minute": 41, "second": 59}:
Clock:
{"hour": 1, "minute": 23, "second": 6}
